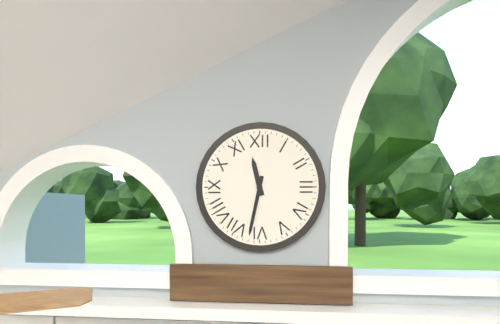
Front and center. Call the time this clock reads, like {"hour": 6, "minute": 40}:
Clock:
{"hour": 11, "minute": 32}
